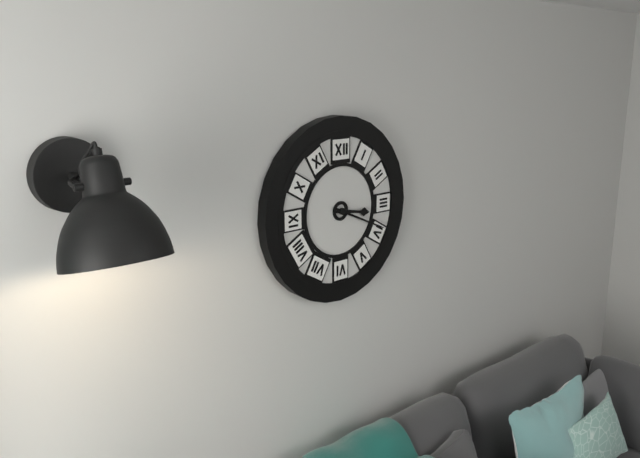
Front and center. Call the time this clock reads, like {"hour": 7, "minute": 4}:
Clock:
{"hour": 3, "minute": 19}
